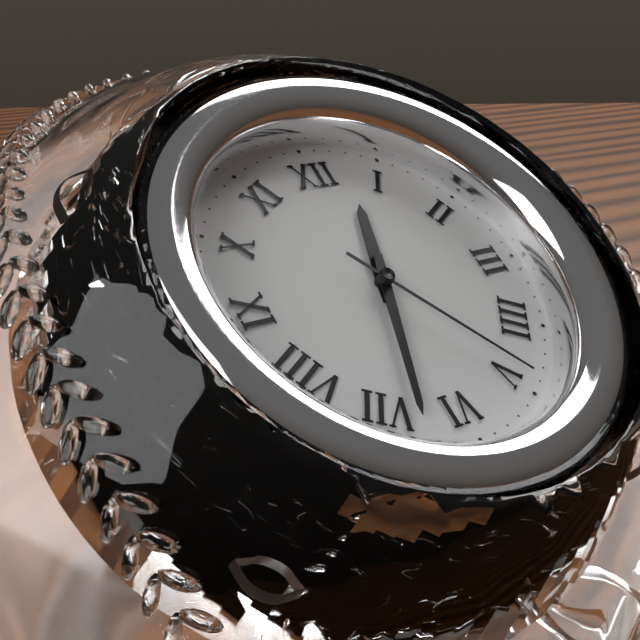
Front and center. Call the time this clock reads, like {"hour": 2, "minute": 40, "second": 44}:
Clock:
{"hour": 12, "minute": 33, "second": 24}
